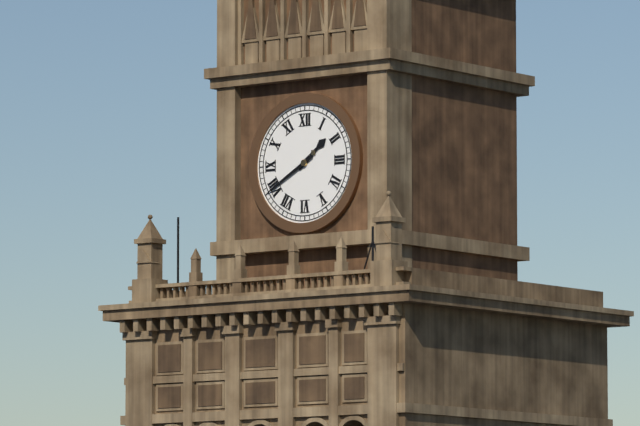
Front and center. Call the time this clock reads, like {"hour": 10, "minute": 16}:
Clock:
{"hour": 1, "minute": 40}
